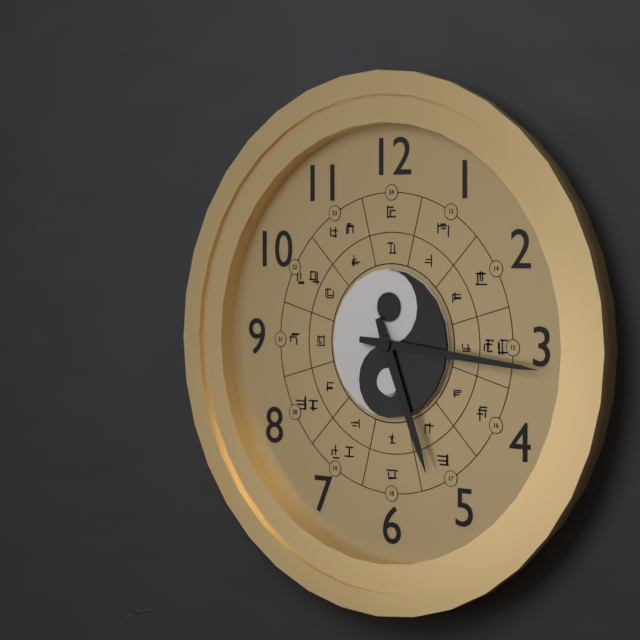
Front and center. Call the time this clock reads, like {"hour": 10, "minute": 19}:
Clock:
{"hour": 5, "minute": 16}
